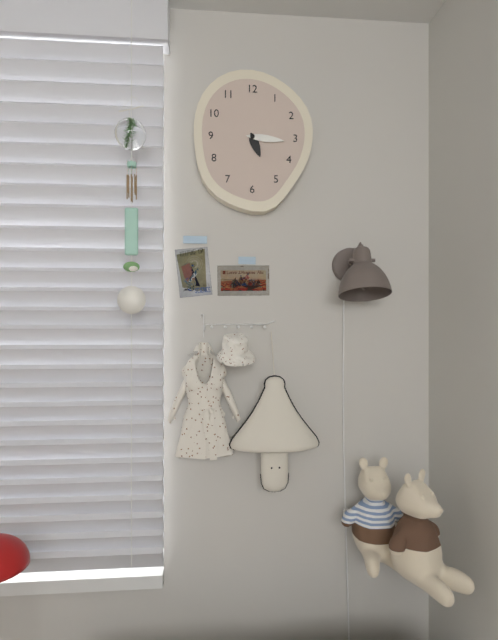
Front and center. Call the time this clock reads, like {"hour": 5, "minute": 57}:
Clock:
{"hour": 5, "minute": 16}
